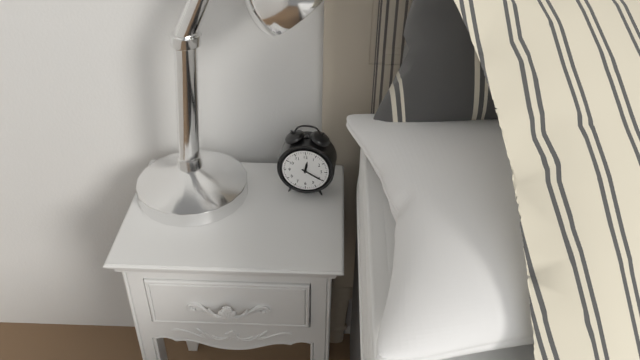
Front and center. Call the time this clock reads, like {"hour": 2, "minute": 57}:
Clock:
{"hour": 12, "minute": 20}
